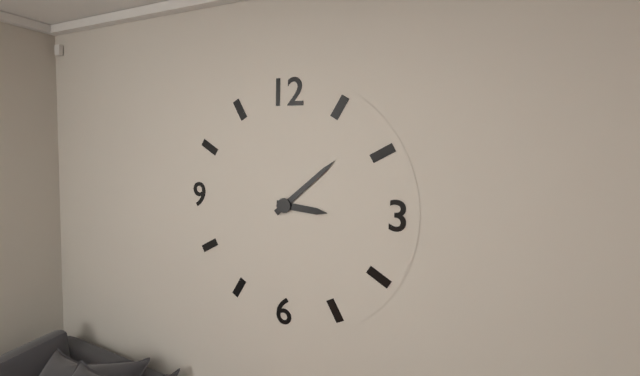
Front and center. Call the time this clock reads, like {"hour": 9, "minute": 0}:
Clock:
{"hour": 3, "minute": 8}
